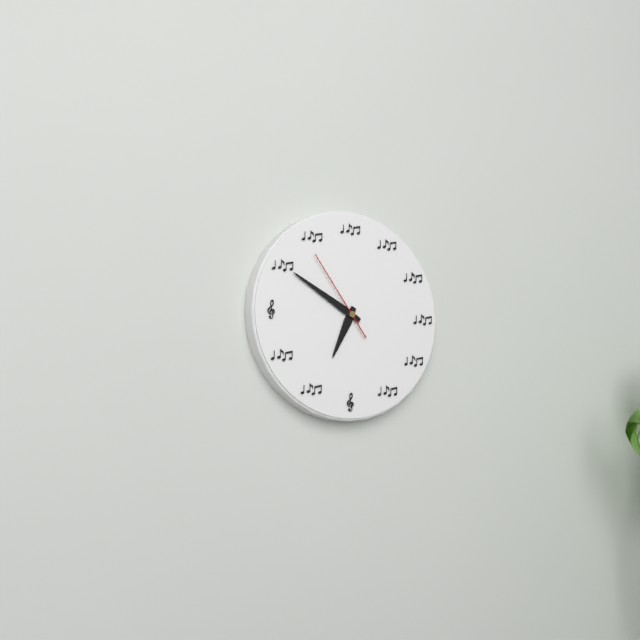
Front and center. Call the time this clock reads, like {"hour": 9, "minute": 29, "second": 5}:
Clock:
{"hour": 6, "minute": 50, "second": 54}
